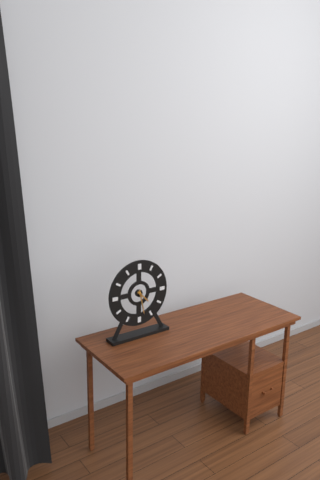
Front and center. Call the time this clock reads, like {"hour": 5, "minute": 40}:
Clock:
{"hour": 4, "minute": 28}
